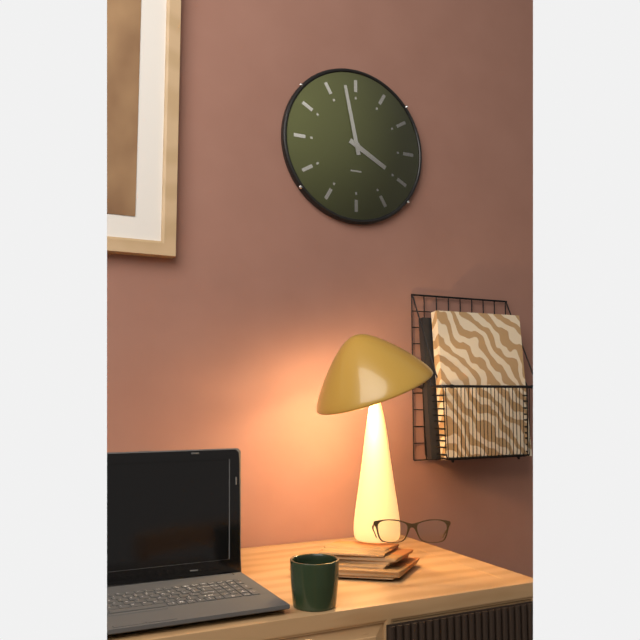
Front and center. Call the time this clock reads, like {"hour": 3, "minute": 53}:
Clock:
{"hour": 3, "minute": 58}
